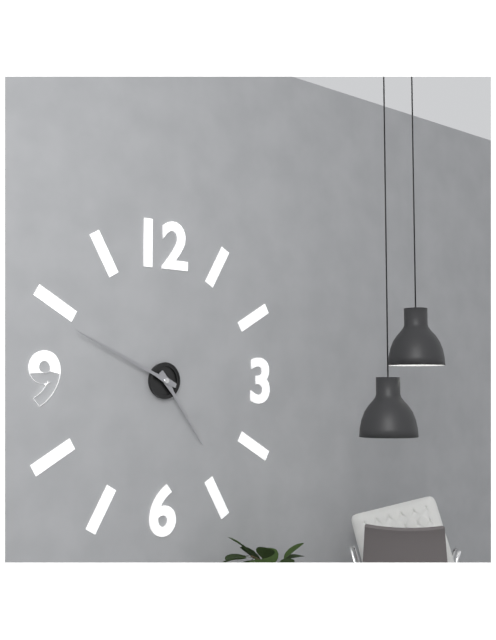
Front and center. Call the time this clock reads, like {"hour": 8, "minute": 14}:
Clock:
{"hour": 4, "minute": 49}
